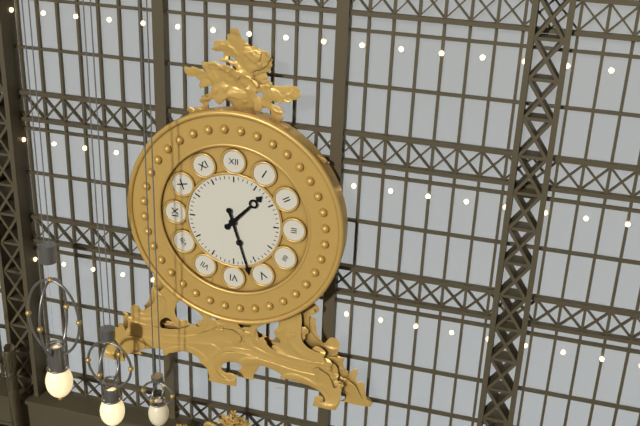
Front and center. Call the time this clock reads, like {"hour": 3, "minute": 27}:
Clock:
{"hour": 1, "minute": 27}
